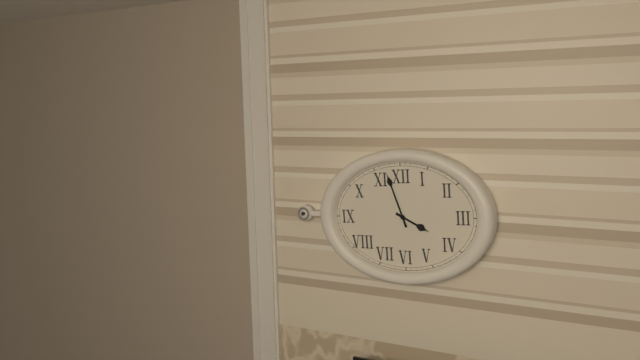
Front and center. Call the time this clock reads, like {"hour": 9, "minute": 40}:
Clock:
{"hour": 3, "minute": 57}
